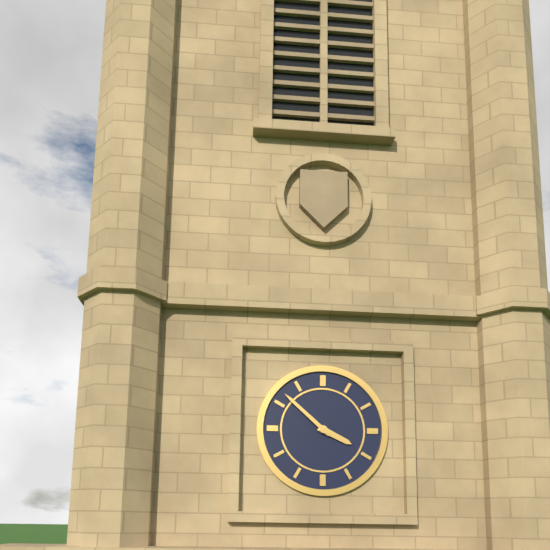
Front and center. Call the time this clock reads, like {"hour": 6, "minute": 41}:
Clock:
{"hour": 3, "minute": 52}
